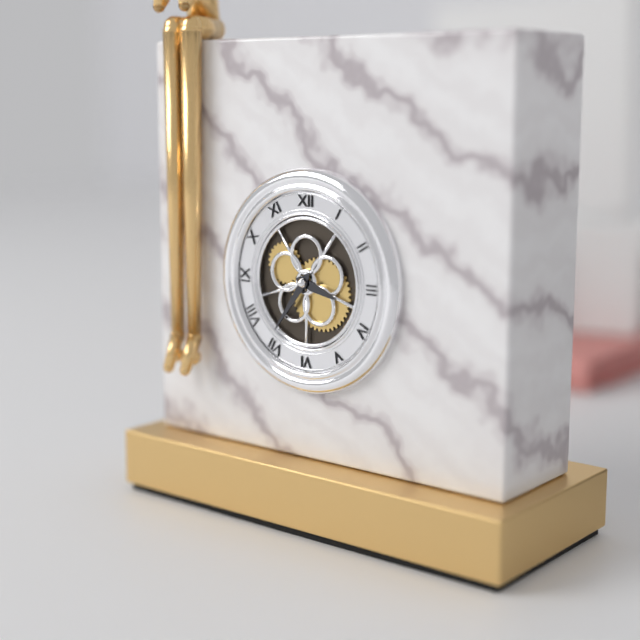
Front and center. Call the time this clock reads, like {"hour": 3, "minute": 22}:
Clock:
{"hour": 3, "minute": 36}
